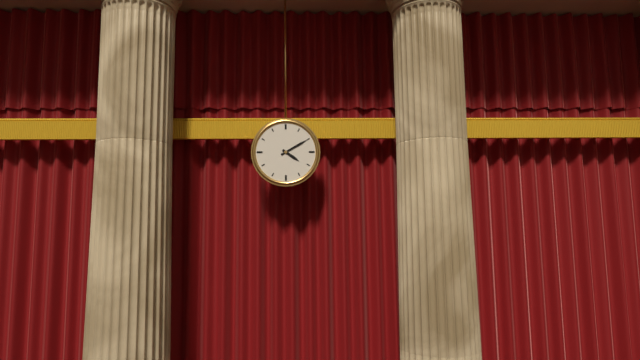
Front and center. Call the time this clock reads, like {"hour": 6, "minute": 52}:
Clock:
{"hour": 4, "minute": 10}
